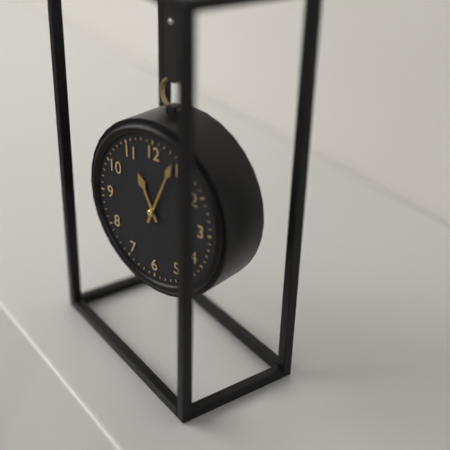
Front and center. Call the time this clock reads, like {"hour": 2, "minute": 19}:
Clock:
{"hour": 11, "minute": 4}
